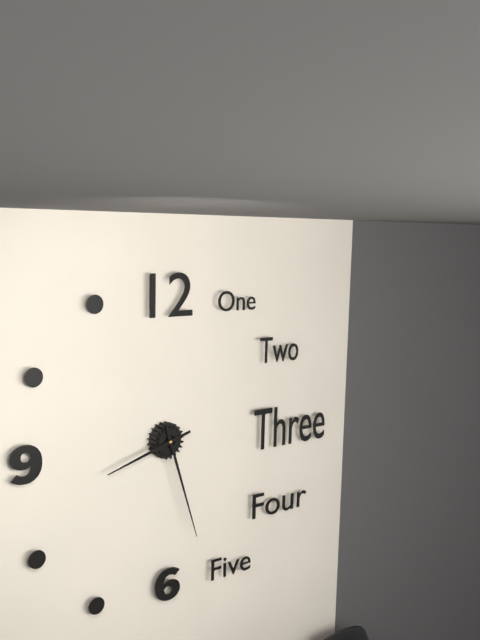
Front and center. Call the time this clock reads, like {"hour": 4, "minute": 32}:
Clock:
{"hour": 8, "minute": 27}
